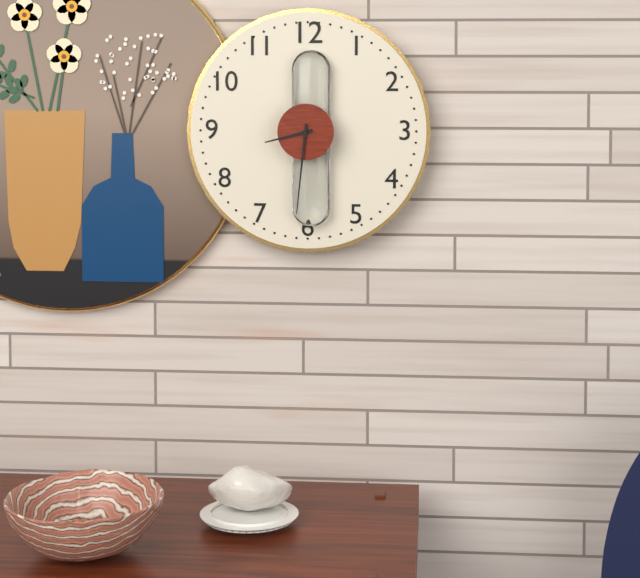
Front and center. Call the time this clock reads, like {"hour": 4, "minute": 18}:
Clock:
{"hour": 8, "minute": 31}
